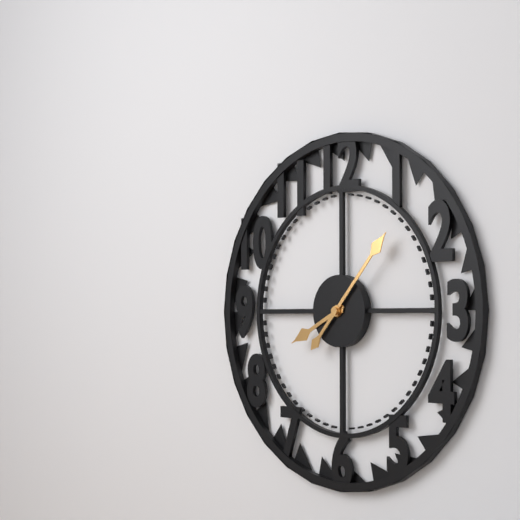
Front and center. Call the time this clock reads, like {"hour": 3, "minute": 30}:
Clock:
{"hour": 8, "minute": 7}
